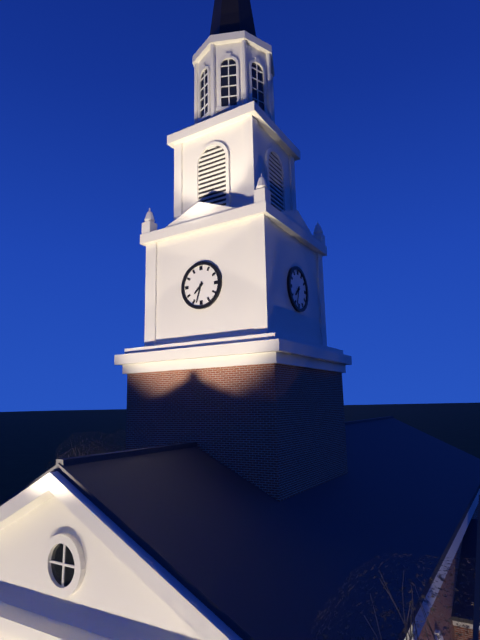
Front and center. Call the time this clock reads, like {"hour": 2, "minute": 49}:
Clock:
{"hour": 7, "minute": 33}
